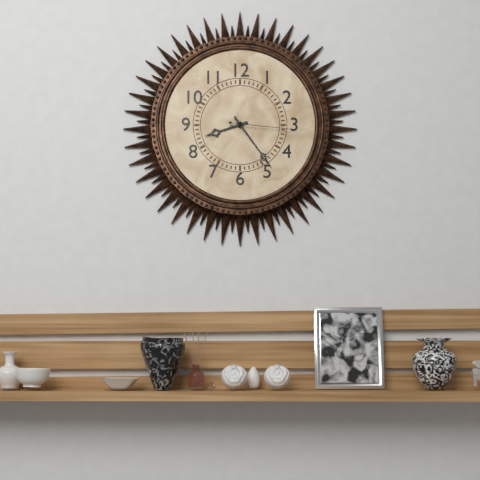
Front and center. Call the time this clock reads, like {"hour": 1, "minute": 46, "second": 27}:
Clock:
{"hour": 8, "minute": 24, "second": 16}
